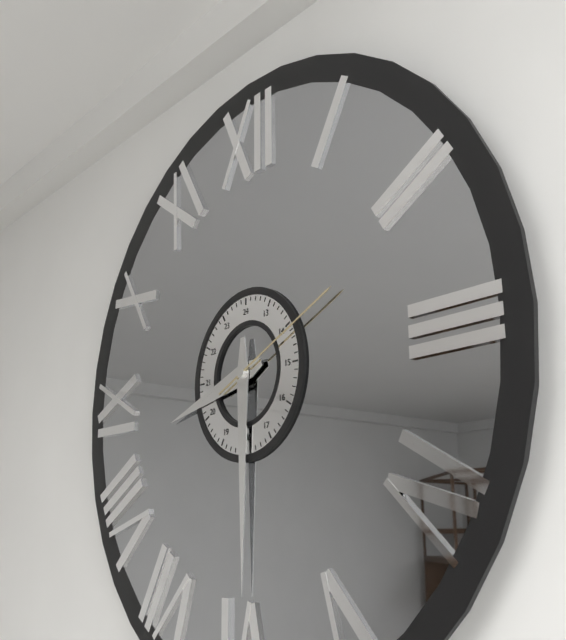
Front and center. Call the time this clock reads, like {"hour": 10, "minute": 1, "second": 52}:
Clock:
{"hour": 8, "minute": 30, "second": 11}
